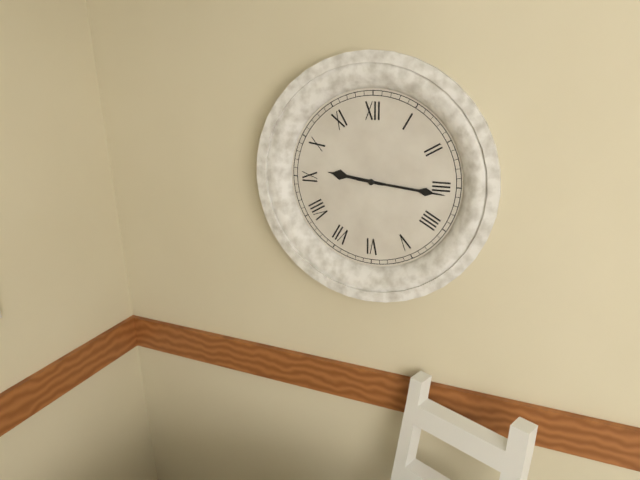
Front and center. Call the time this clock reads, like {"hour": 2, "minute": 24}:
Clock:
{"hour": 9, "minute": 16}
